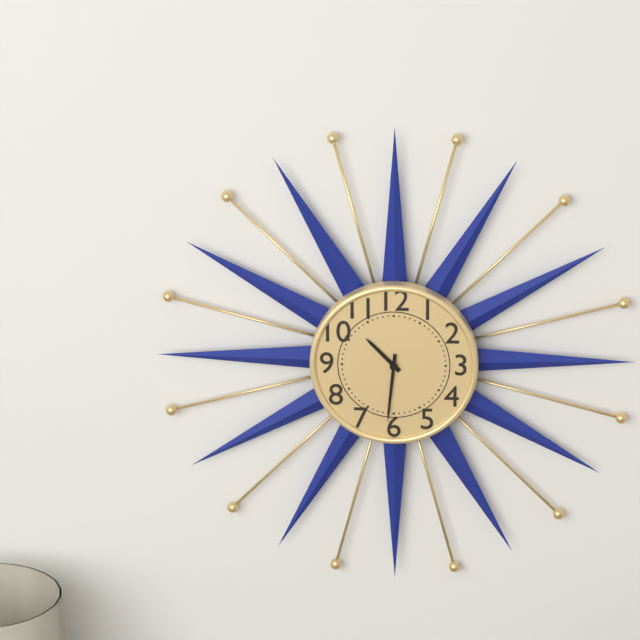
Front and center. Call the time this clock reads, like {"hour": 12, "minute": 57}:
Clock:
{"hour": 10, "minute": 31}
